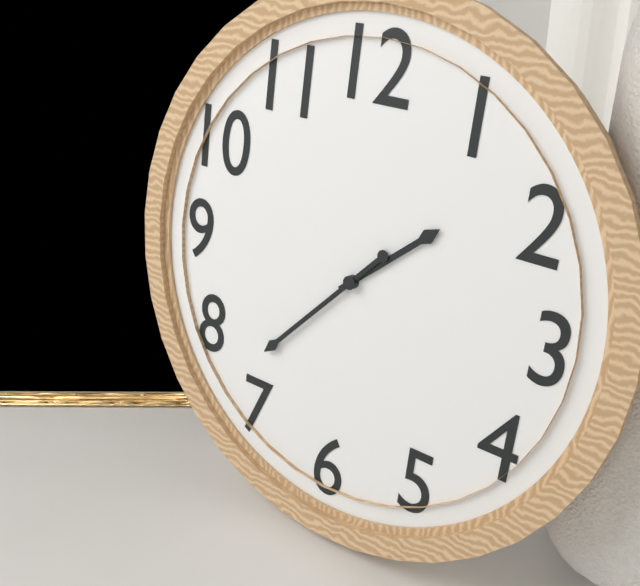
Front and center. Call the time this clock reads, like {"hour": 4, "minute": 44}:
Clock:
{"hour": 1, "minute": 37}
